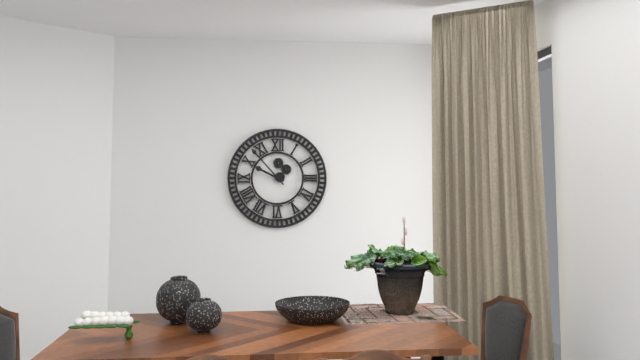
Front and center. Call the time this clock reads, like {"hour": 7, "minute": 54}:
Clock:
{"hour": 9, "minute": 53}
